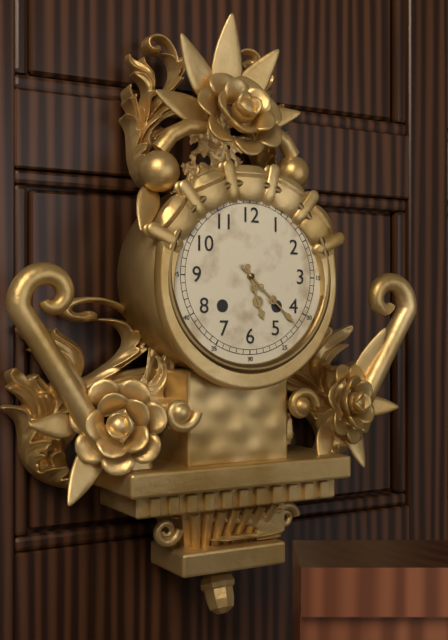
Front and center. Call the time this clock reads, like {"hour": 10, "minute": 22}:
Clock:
{"hour": 5, "minute": 22}
